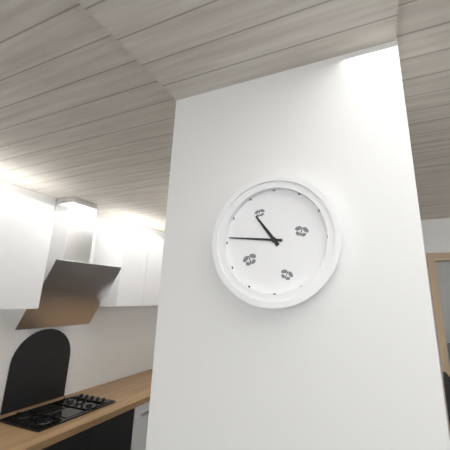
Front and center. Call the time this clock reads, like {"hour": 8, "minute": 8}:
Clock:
{"hour": 10, "minute": 46}
